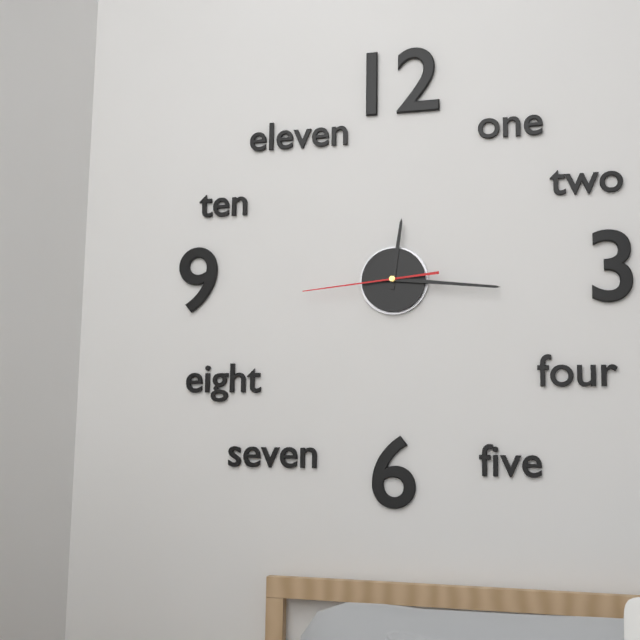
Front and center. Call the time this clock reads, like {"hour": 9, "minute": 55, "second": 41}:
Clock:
{"hour": 12, "minute": 16, "second": 44}
